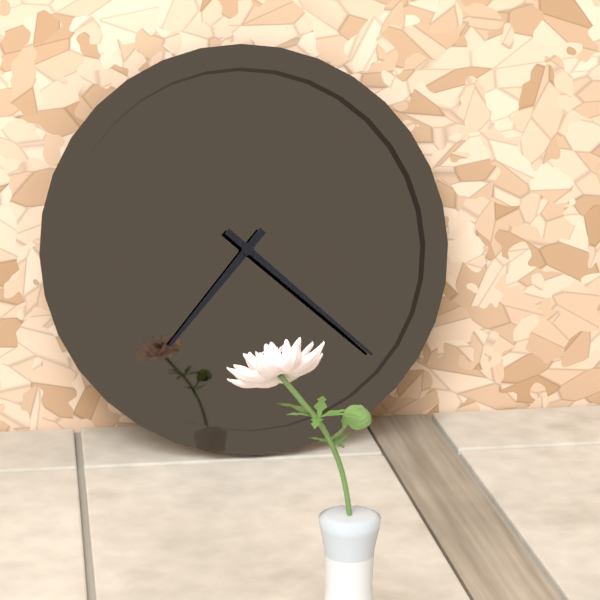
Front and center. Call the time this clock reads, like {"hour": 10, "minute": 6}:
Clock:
{"hour": 7, "minute": 22}
